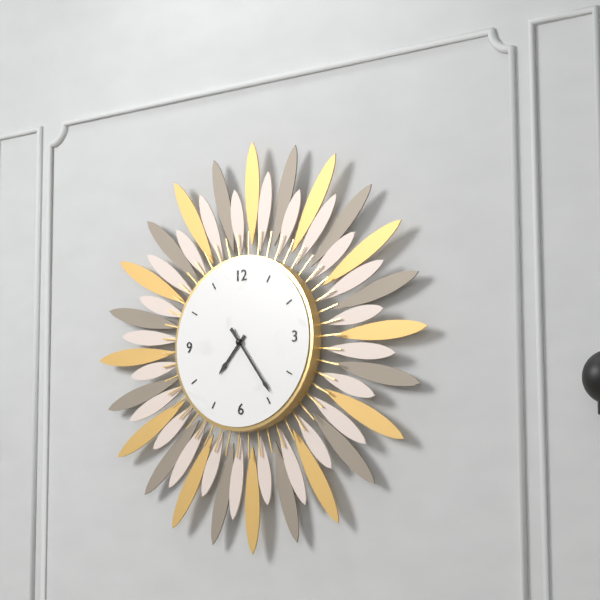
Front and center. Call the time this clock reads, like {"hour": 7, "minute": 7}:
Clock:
{"hour": 7, "minute": 24}
